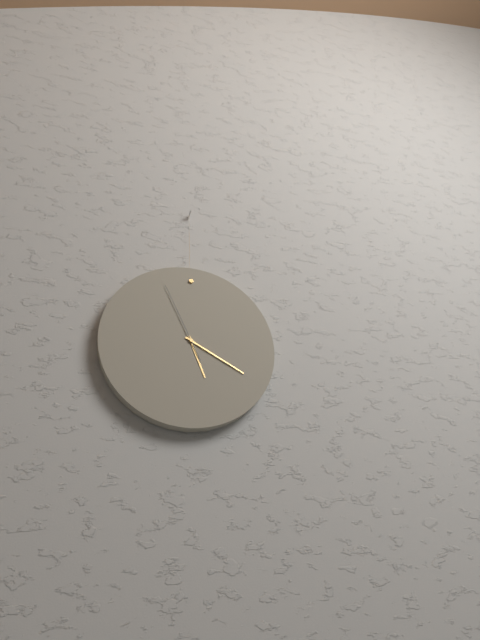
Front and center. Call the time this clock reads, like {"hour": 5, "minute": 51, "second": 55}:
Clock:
{"hour": 5, "minute": 20, "second": 56}
